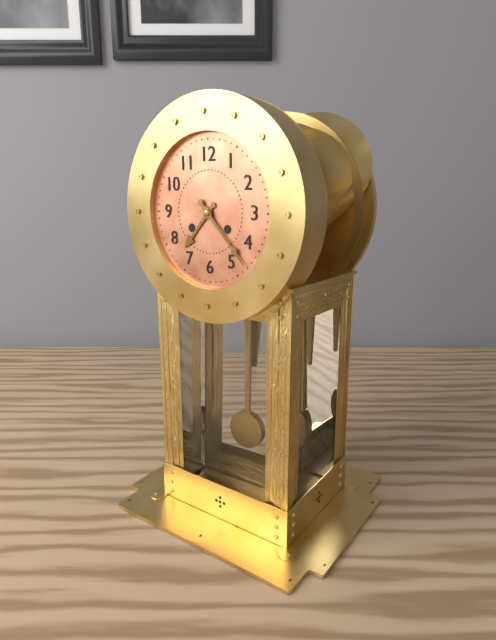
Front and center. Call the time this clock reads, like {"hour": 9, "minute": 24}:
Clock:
{"hour": 7, "minute": 23}
